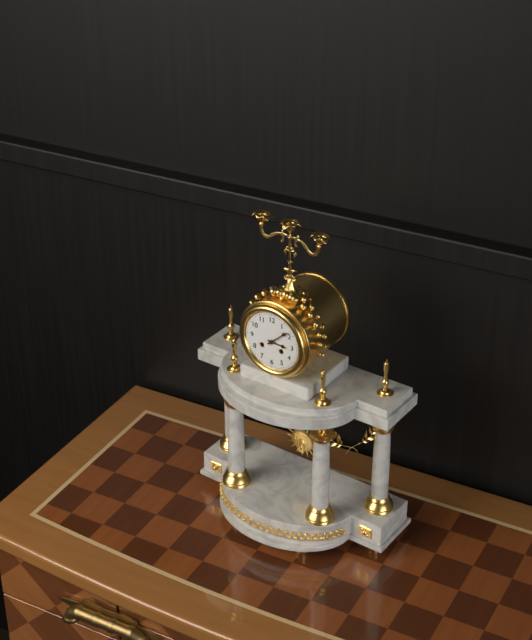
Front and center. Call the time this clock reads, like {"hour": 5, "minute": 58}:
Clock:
{"hour": 3, "minute": 8}
